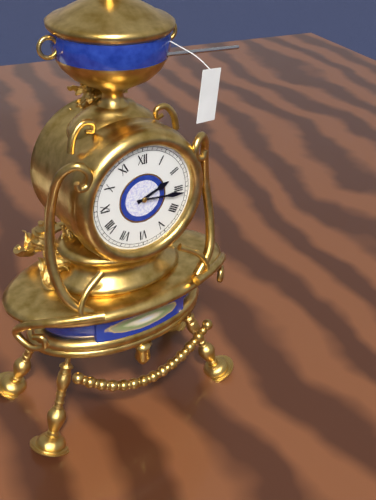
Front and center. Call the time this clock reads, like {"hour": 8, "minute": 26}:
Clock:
{"hour": 2, "minute": 16}
